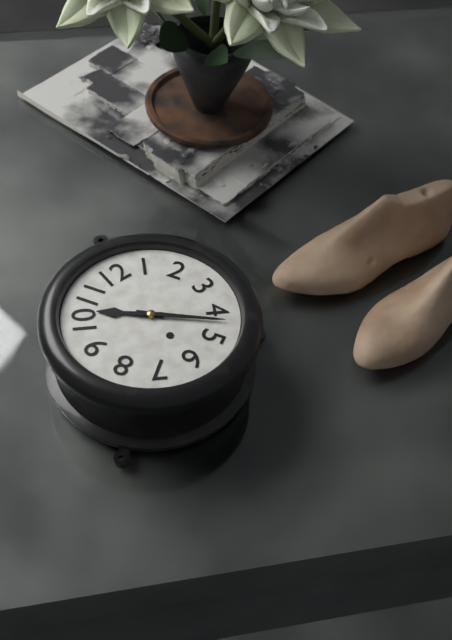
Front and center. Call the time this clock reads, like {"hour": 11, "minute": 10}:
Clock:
{"hour": 10, "minute": 22}
